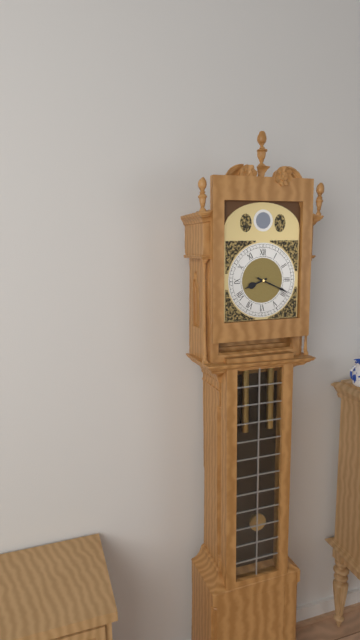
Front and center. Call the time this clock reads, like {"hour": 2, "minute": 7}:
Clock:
{"hour": 8, "minute": 19}
